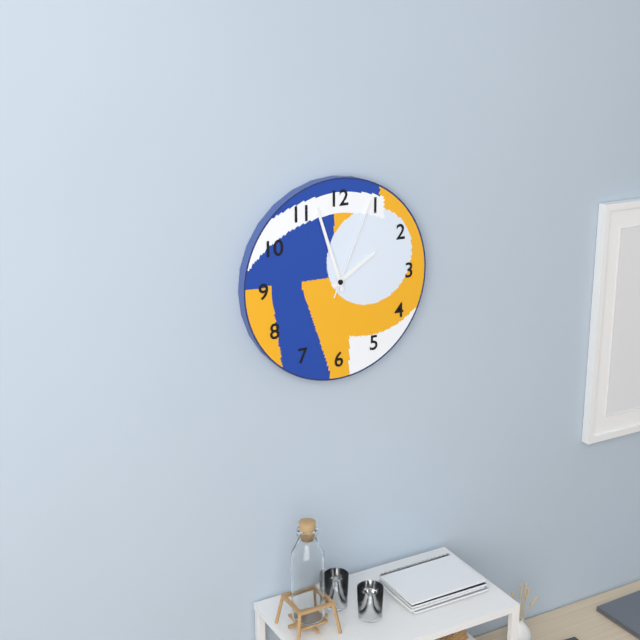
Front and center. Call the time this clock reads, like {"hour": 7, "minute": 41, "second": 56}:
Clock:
{"hour": 1, "minute": 57, "second": 4}
